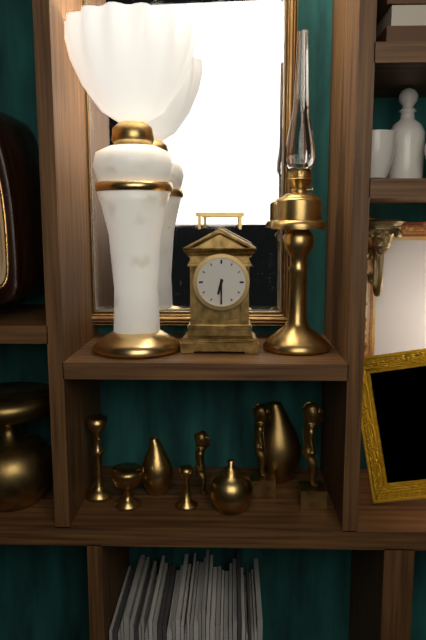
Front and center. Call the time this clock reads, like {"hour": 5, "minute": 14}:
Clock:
{"hour": 6, "minute": 30}
